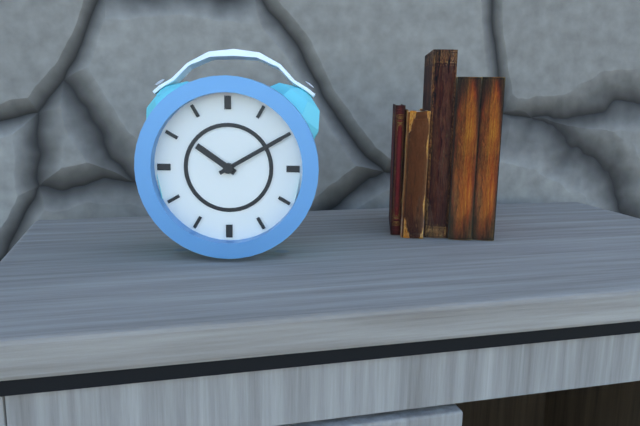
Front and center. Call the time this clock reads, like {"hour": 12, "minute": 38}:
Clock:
{"hour": 10, "minute": 10}
